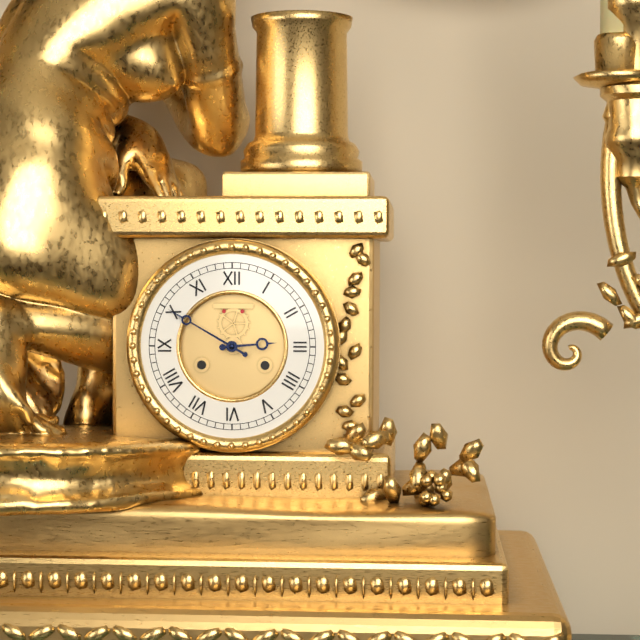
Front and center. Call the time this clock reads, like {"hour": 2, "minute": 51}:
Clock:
{"hour": 2, "minute": 50}
